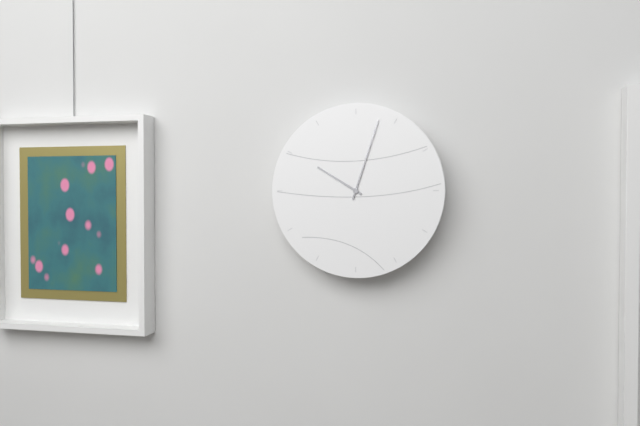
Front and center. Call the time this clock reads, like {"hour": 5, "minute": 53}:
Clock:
{"hour": 10, "minute": 3}
